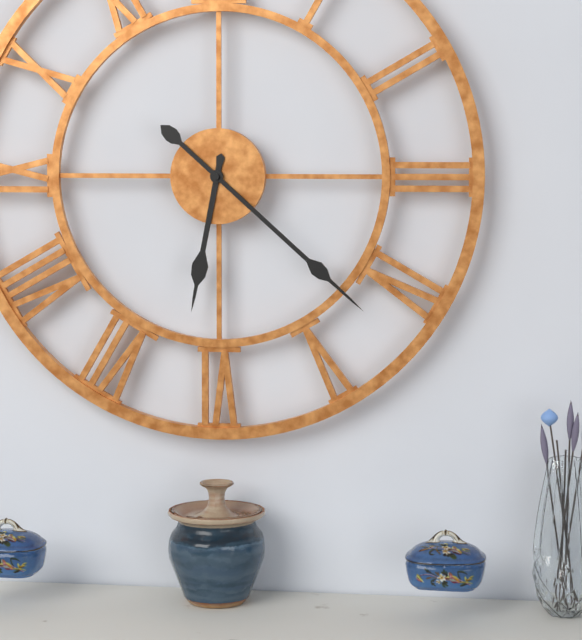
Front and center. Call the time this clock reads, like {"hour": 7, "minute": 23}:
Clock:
{"hour": 6, "minute": 22}
